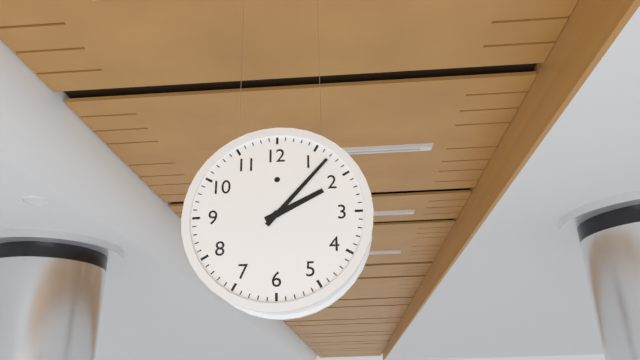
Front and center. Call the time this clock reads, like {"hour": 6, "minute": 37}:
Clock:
{"hour": 2, "minute": 7}
